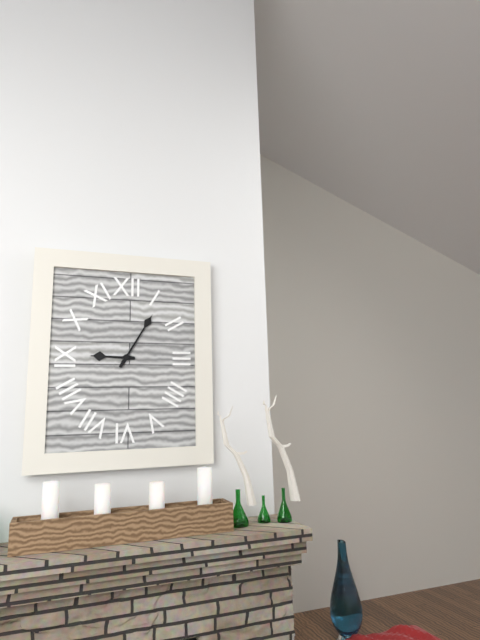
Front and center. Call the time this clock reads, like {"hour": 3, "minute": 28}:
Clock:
{"hour": 9, "minute": 5}
